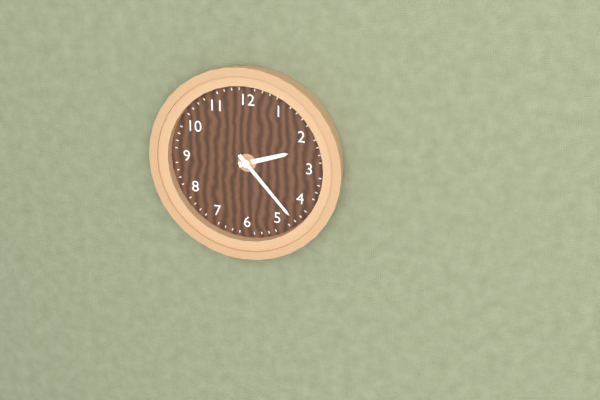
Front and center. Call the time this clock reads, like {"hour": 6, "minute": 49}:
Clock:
{"hour": 2, "minute": 23}
